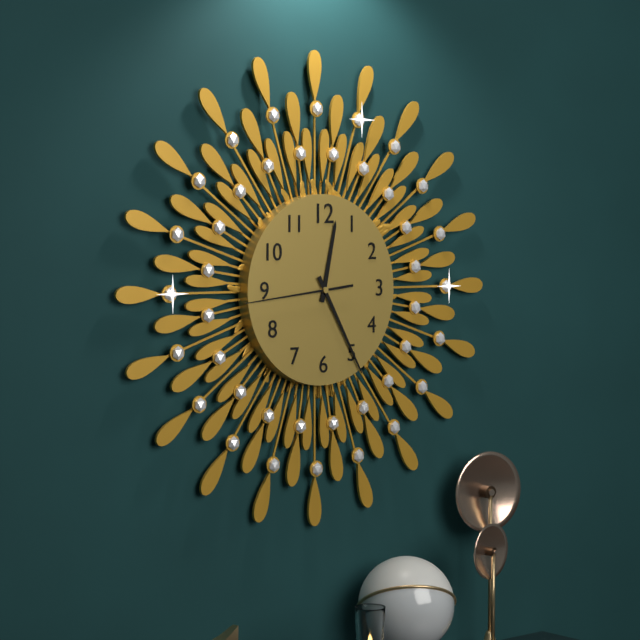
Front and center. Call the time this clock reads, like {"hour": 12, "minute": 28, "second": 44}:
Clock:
{"hour": 12, "minute": 25, "second": 44}
